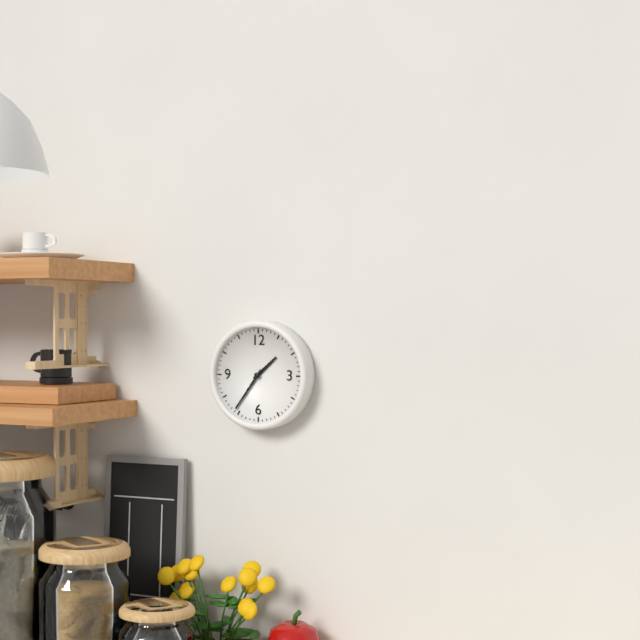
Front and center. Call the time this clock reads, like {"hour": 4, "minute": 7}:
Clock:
{"hour": 1, "minute": 36}
